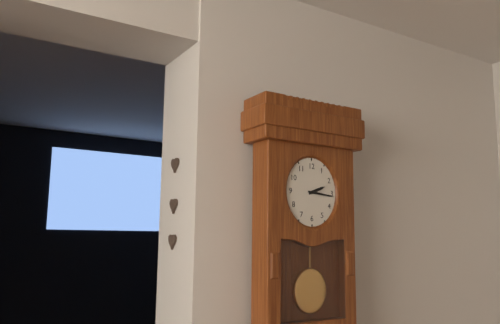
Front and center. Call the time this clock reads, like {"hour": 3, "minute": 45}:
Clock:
{"hour": 2, "minute": 16}
